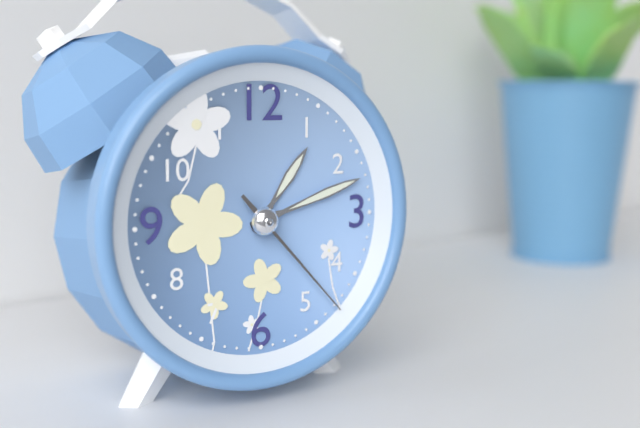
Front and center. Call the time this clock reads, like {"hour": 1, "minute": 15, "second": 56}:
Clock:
{"hour": 1, "minute": 12, "second": 23}
